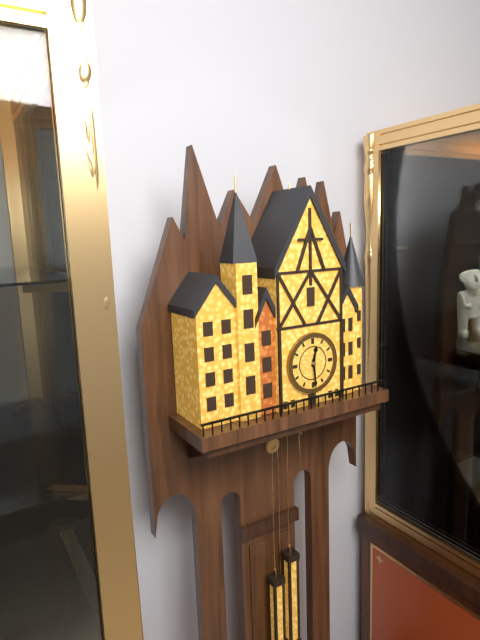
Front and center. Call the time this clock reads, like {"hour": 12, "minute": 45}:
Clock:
{"hour": 12, "minute": 29}
